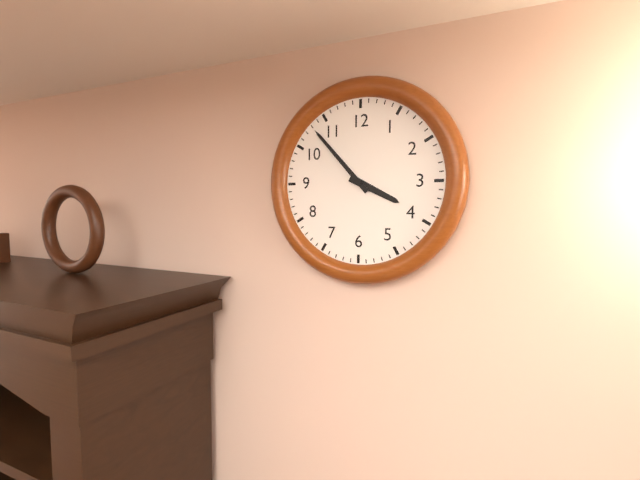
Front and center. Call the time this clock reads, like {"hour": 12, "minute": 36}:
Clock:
{"hour": 3, "minute": 53}
